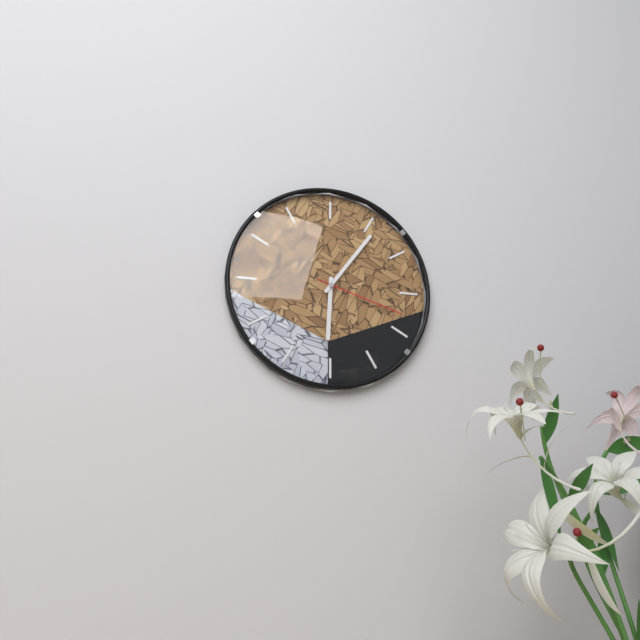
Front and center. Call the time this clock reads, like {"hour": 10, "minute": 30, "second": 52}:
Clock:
{"hour": 6, "minute": 6, "second": 18}
